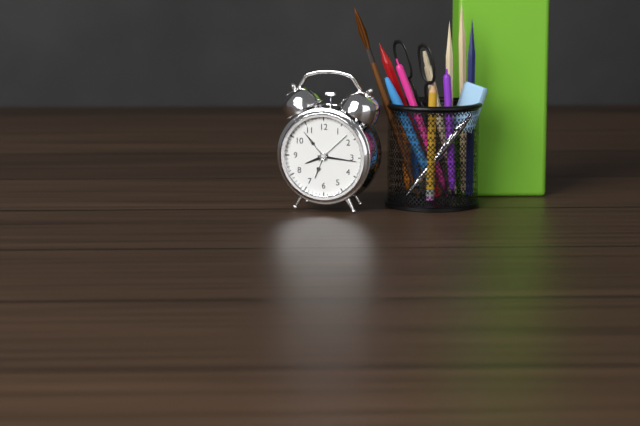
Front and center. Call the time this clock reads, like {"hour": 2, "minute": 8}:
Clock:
{"hour": 8, "minute": 16}
